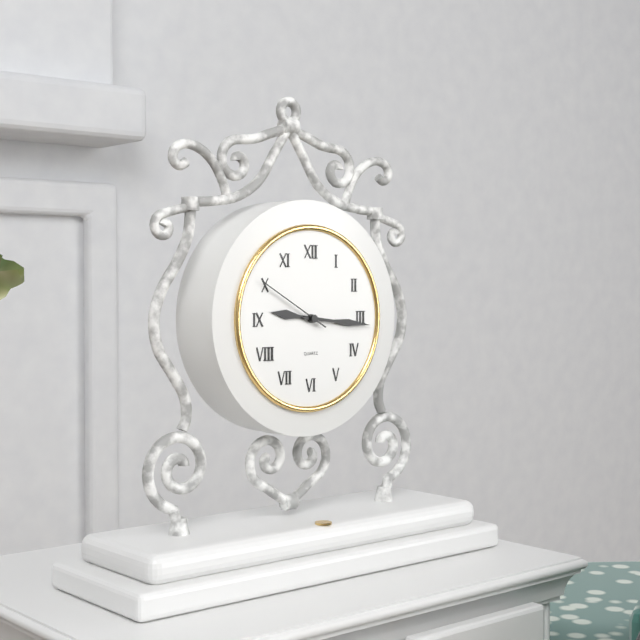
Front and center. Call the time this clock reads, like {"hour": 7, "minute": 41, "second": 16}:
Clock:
{"hour": 9, "minute": 16, "second": 50}
